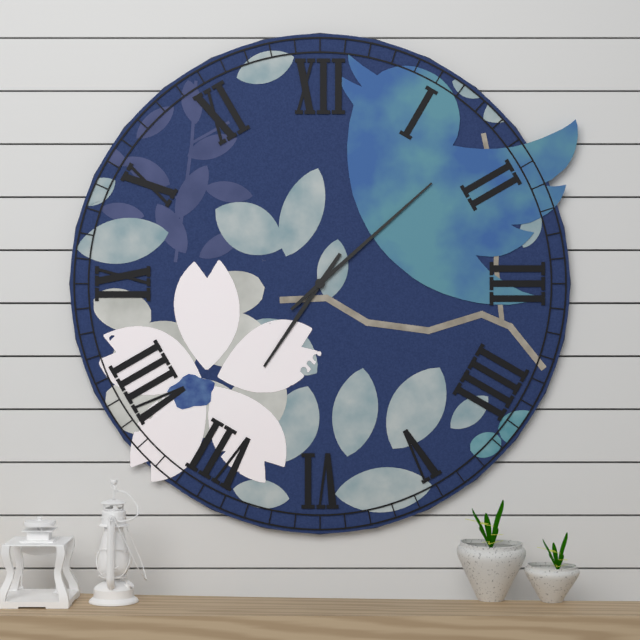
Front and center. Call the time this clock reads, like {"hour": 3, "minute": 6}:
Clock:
{"hour": 7, "minute": 8}
